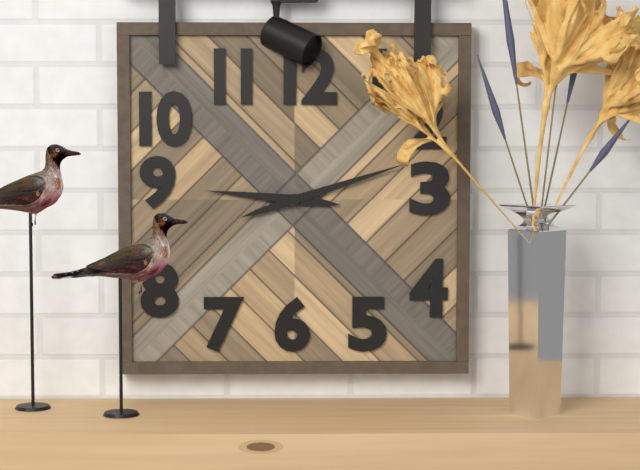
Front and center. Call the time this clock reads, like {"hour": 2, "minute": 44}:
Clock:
{"hour": 9, "minute": 12}
